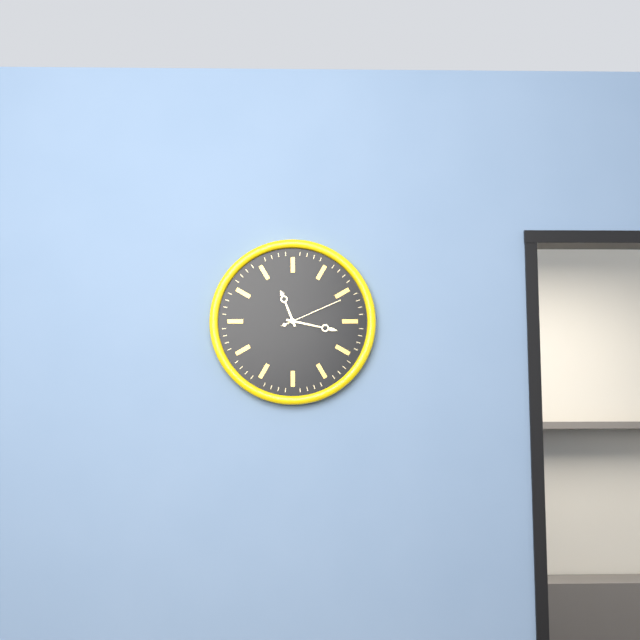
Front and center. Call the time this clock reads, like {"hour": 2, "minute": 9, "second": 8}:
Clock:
{"hour": 11, "minute": 17, "second": 11}
